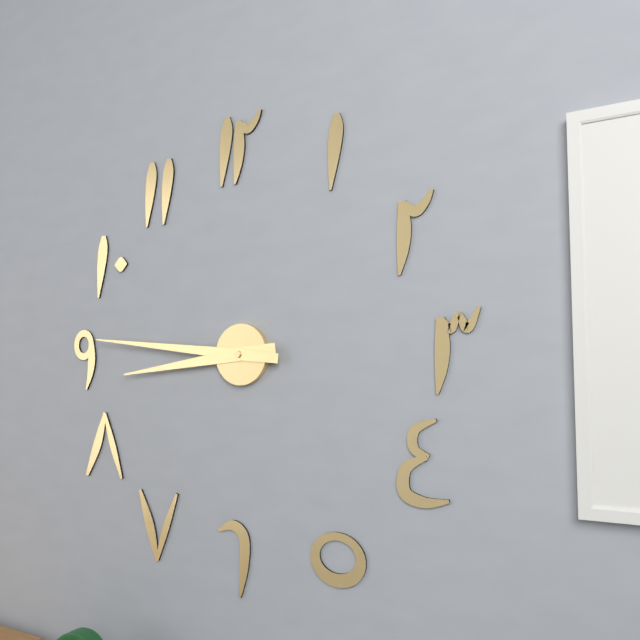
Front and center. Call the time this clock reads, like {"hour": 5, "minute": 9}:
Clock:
{"hour": 8, "minute": 46}
